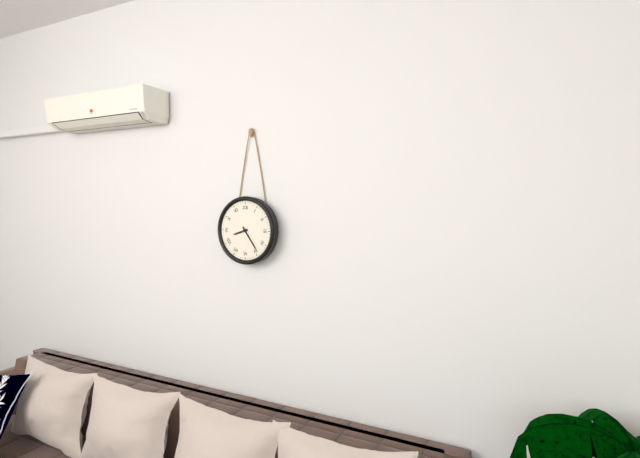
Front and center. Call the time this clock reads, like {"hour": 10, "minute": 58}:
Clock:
{"hour": 8, "minute": 24}
